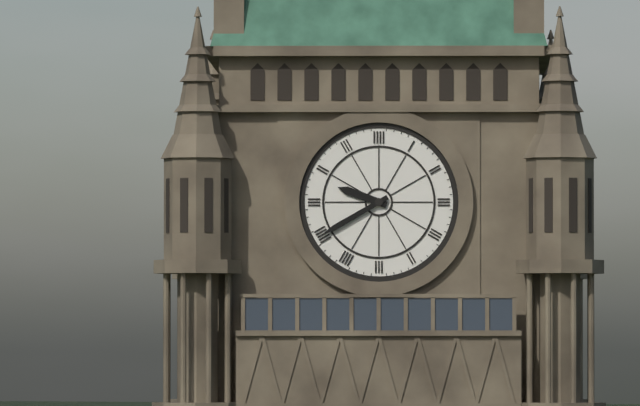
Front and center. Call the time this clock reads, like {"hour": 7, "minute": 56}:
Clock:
{"hour": 9, "minute": 40}
